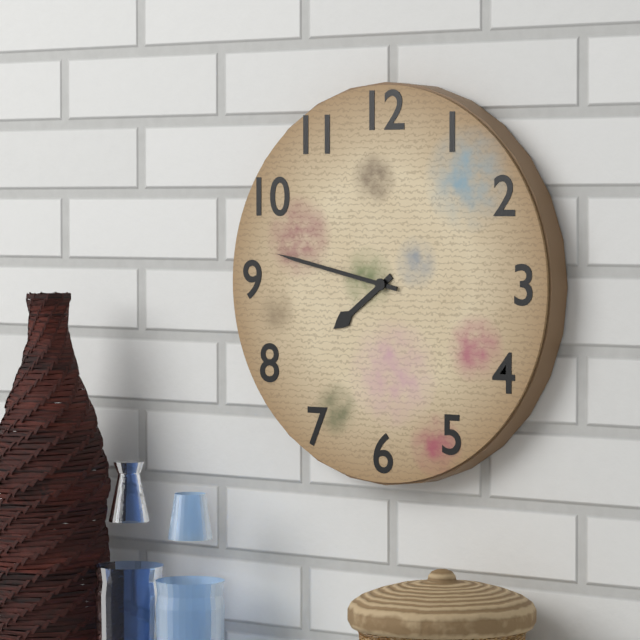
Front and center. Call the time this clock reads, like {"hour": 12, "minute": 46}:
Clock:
{"hour": 7, "minute": 47}
